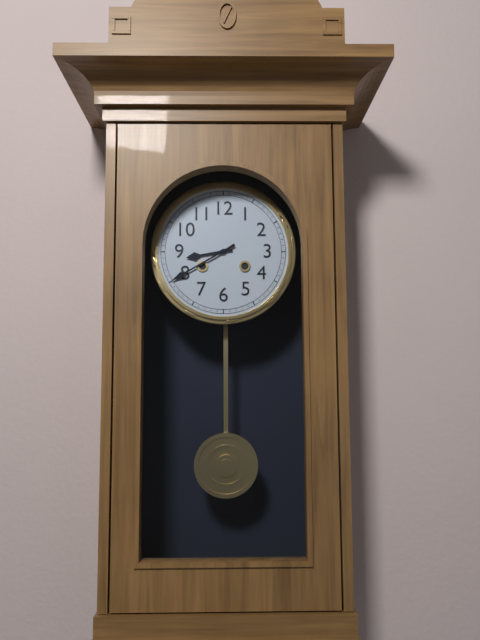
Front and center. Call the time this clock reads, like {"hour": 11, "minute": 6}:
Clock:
{"hour": 8, "minute": 40}
